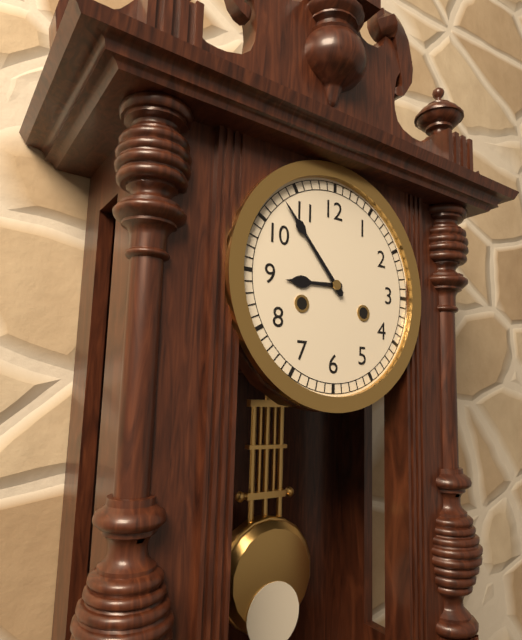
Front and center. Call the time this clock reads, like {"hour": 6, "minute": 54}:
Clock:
{"hour": 8, "minute": 53}
